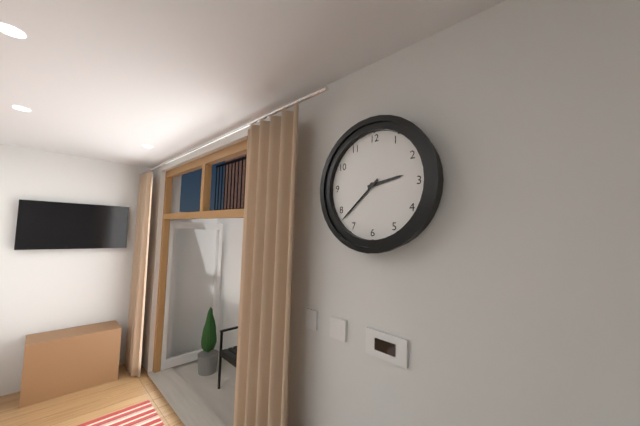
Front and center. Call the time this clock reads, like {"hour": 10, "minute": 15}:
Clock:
{"hour": 2, "minute": 38}
